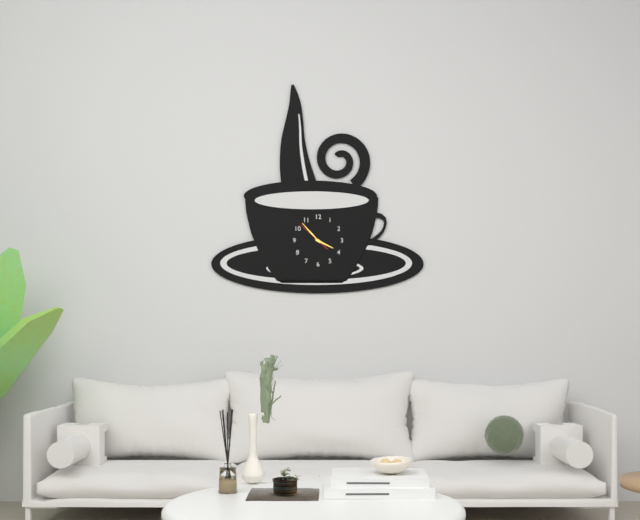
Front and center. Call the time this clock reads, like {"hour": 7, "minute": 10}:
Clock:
{"hour": 3, "minute": 53}
